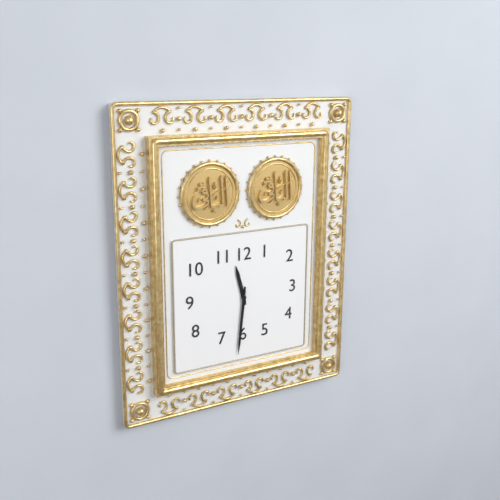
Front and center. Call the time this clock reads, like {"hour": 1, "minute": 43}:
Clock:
{"hour": 11, "minute": 31}
